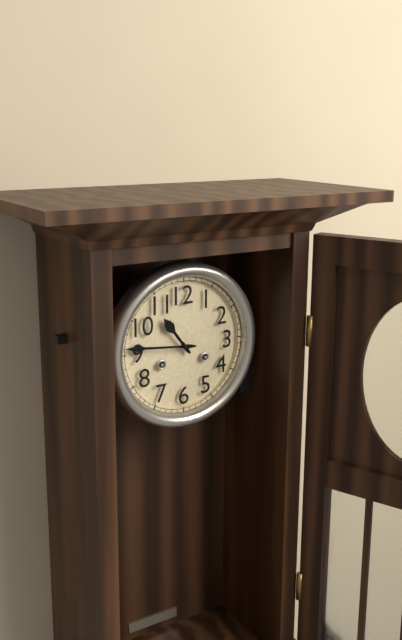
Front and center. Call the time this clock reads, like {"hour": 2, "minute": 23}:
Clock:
{"hour": 10, "minute": 46}
